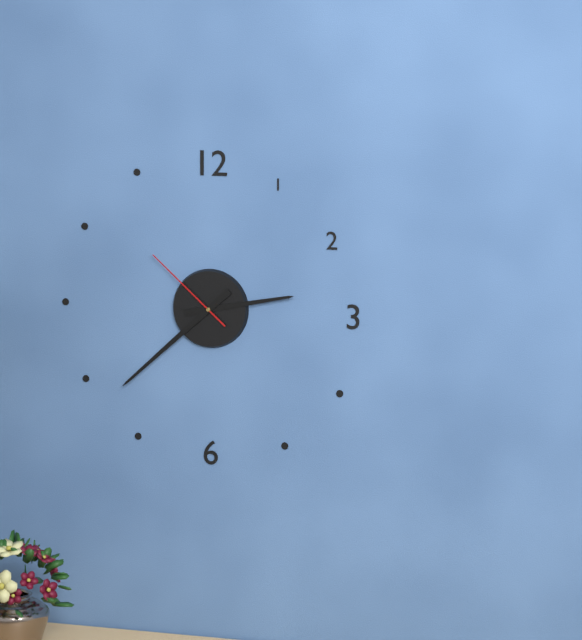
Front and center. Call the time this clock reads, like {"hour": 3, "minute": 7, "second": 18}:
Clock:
{"hour": 2, "minute": 38, "second": 52}
